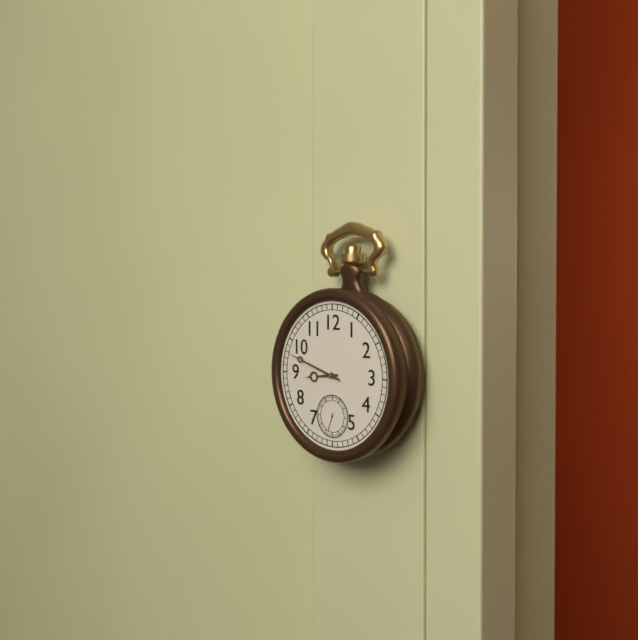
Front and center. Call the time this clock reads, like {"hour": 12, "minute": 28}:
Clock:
{"hour": 8, "minute": 48}
